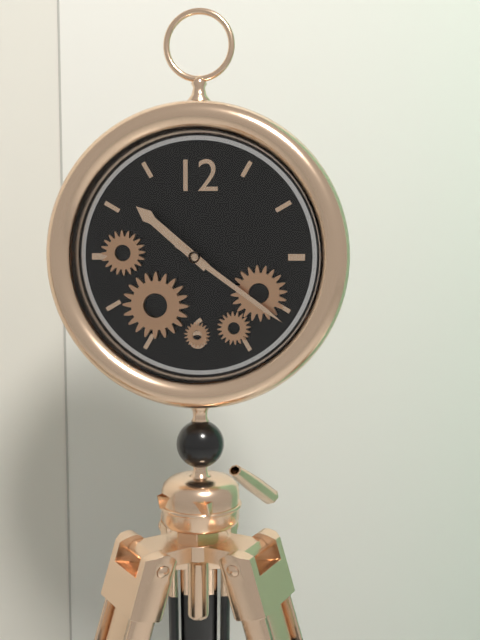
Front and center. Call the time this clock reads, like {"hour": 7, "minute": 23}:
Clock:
{"hour": 10, "minute": 21}
